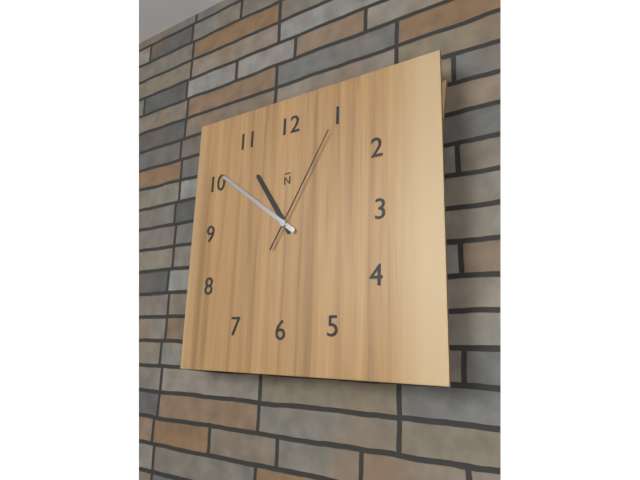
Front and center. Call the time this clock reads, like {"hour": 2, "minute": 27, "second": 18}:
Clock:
{"hour": 10, "minute": 51, "second": 5}
